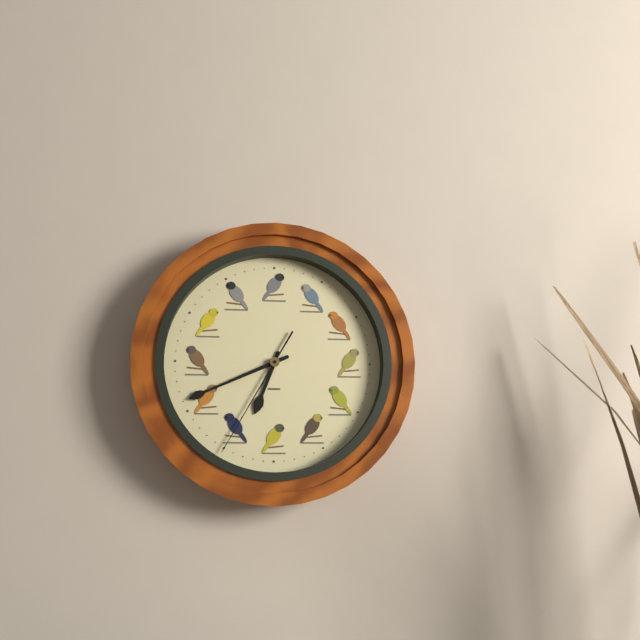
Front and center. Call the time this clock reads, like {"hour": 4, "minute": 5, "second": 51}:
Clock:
{"hour": 6, "minute": 41, "second": 35}
